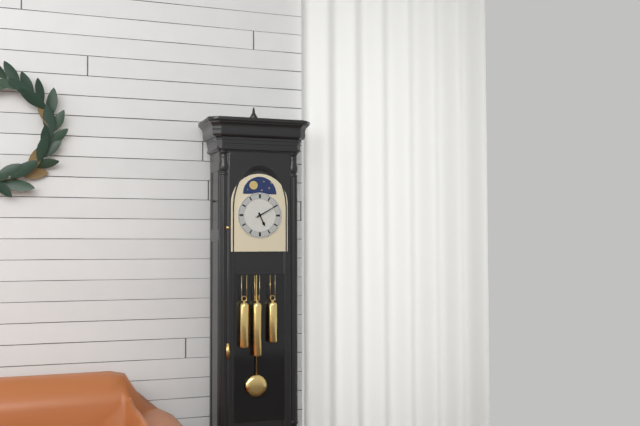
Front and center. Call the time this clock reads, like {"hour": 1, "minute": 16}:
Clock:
{"hour": 5, "minute": 10}
